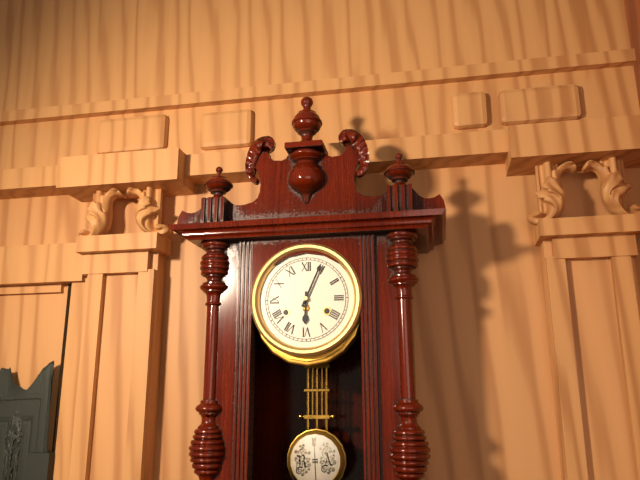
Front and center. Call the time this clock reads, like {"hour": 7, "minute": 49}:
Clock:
{"hour": 6, "minute": 4}
